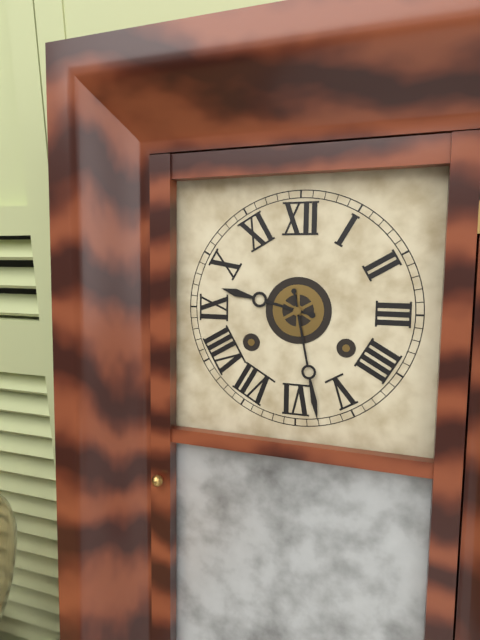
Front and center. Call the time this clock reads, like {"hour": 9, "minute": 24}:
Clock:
{"hour": 9, "minute": 28}
